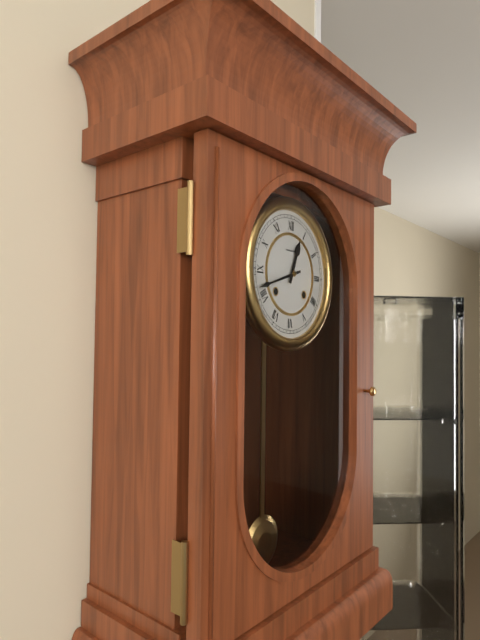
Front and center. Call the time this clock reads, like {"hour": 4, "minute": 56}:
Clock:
{"hour": 12, "minute": 42}
